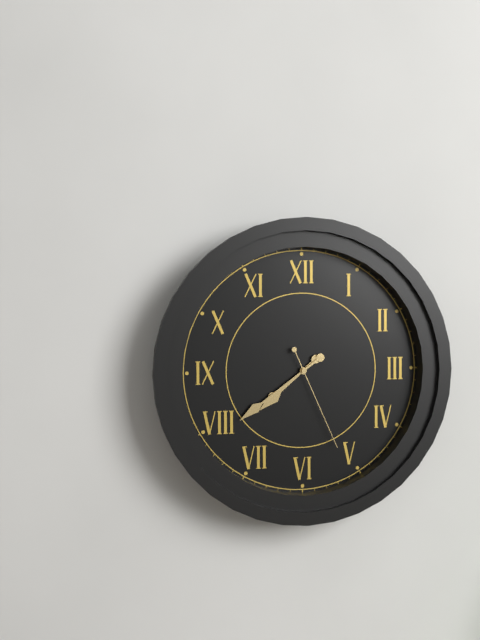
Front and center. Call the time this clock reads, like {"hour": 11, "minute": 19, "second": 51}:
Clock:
{"hour": 7, "minute": 39, "second": 26}
